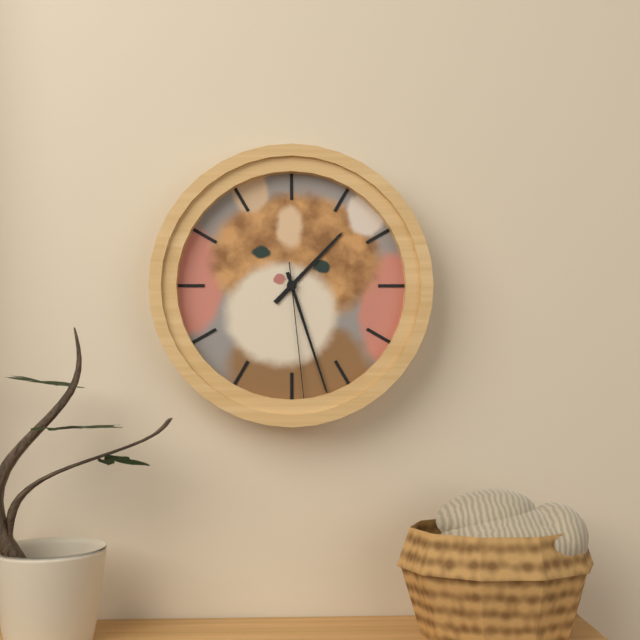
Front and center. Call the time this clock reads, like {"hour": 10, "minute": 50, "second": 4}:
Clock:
{"hour": 1, "minute": 27, "second": 29}
